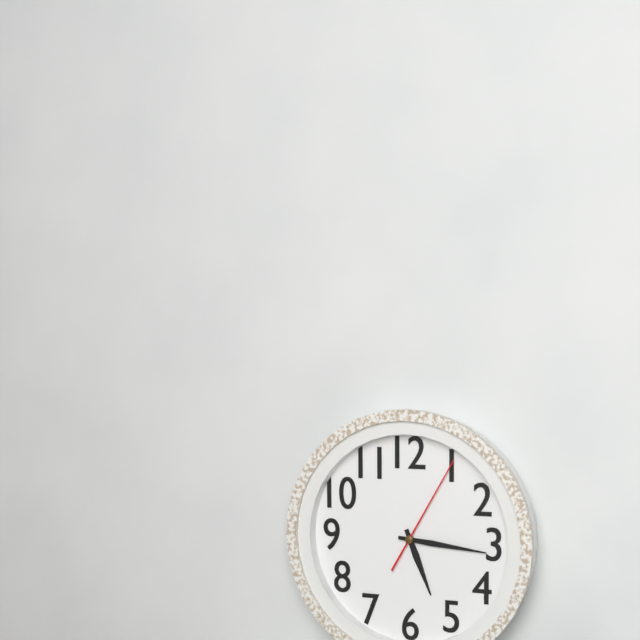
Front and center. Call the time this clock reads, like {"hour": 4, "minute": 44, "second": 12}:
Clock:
{"hour": 5, "minute": 16, "second": 5}
